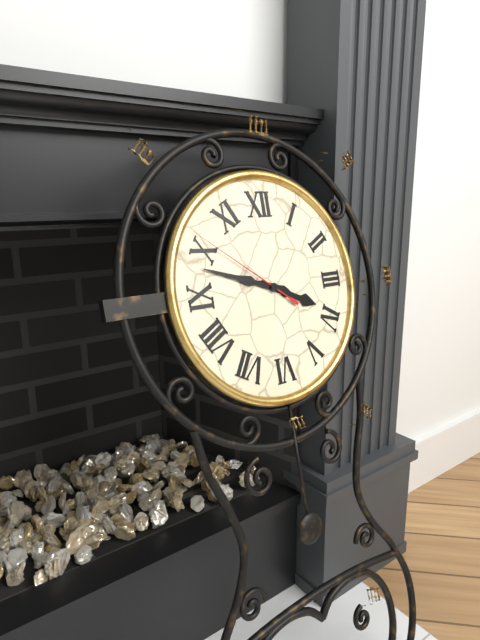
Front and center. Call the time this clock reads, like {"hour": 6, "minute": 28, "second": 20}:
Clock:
{"hour": 3, "minute": 48, "second": 51}
